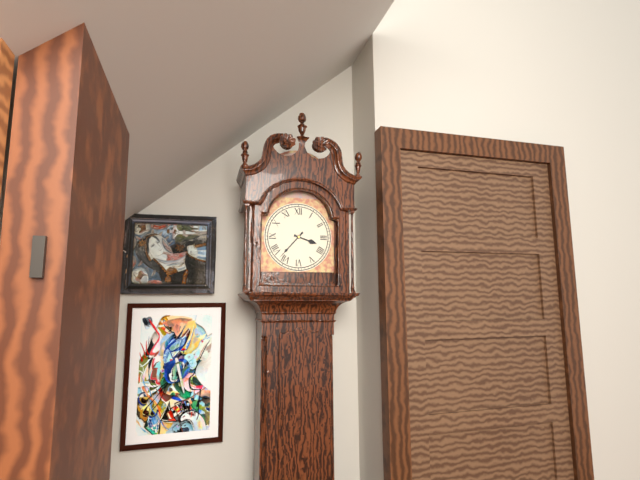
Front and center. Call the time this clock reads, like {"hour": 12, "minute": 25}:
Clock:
{"hour": 3, "minute": 37}
